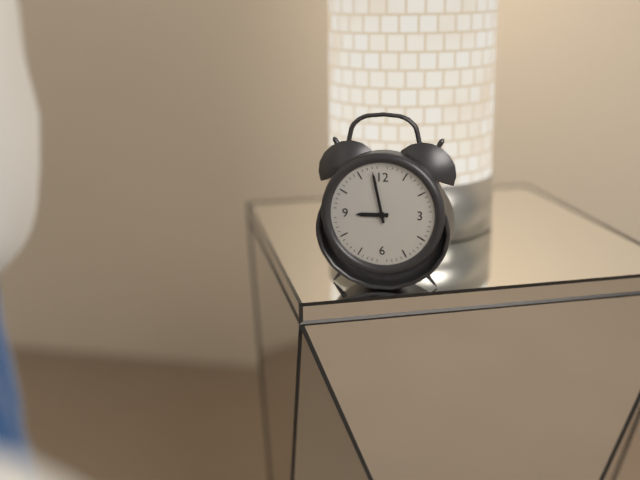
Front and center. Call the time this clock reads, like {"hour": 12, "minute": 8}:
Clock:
{"hour": 8, "minute": 58}
